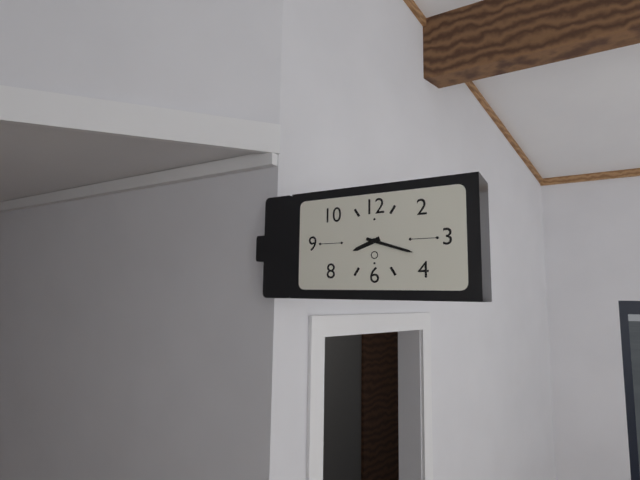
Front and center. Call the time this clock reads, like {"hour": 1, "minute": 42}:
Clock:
{"hour": 8, "minute": 18}
